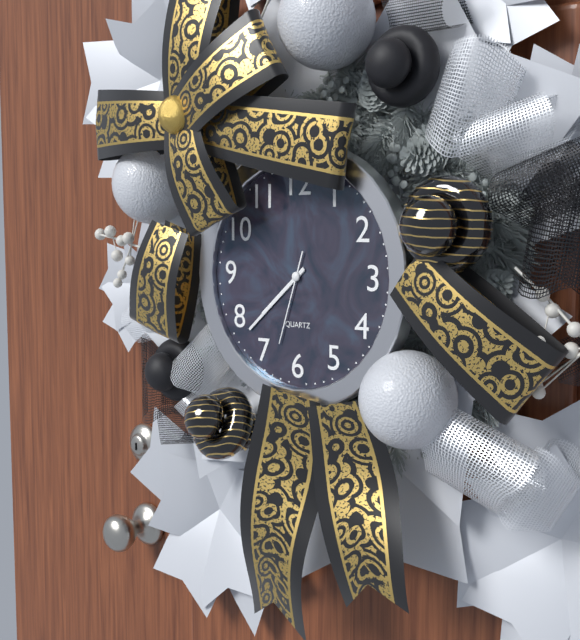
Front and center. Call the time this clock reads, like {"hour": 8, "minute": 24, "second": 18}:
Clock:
{"hour": 7, "minute": 38, "second": 33}
